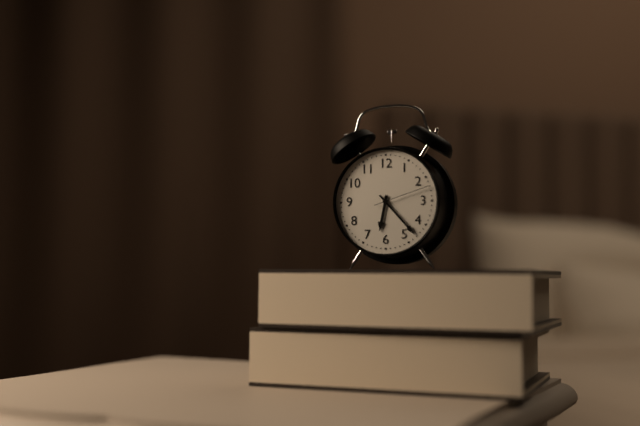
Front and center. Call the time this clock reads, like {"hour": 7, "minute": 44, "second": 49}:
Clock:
{"hour": 6, "minute": 23, "second": 12}
